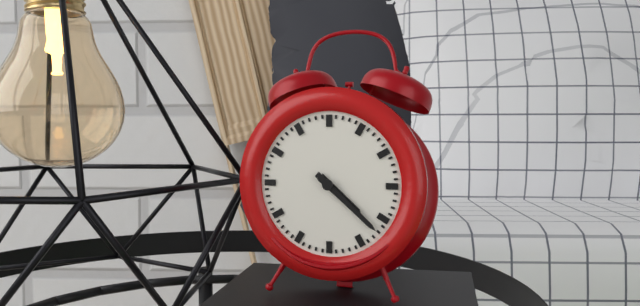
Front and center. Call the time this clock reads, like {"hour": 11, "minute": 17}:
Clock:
{"hour": 4, "minute": 22}
